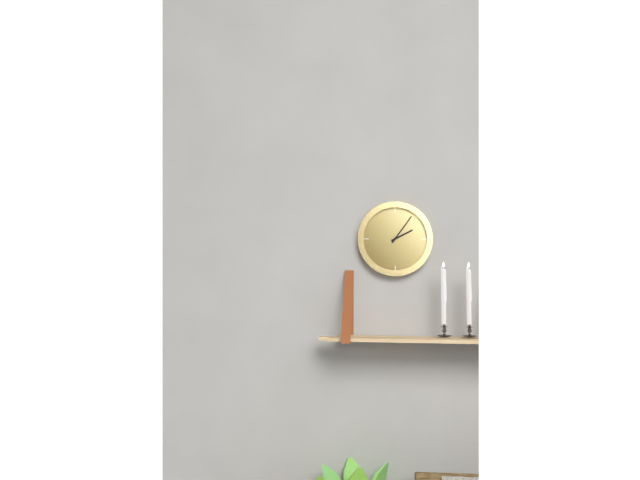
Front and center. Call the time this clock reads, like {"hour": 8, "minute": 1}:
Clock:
{"hour": 2, "minute": 6}
